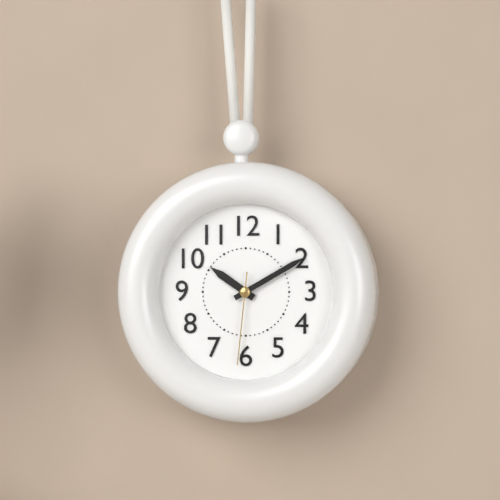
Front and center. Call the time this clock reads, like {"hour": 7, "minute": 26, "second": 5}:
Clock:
{"hour": 10, "minute": 10, "second": 31}
